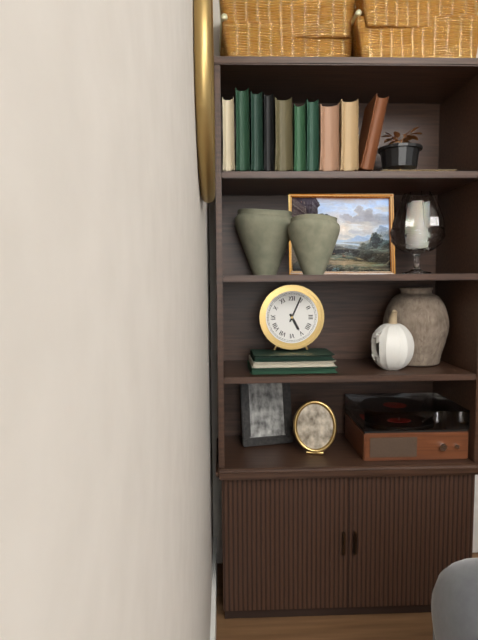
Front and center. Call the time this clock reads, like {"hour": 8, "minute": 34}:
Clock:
{"hour": 5, "minute": 4}
